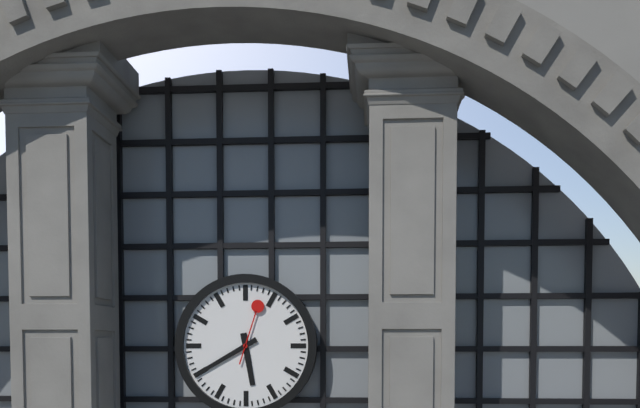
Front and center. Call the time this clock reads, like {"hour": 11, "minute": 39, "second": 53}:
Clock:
{"hour": 5, "minute": 40, "second": 3}
